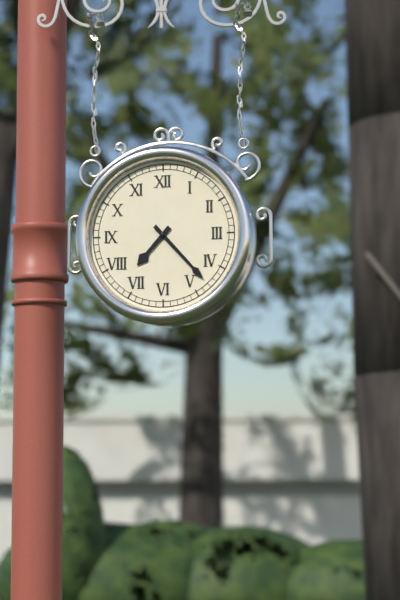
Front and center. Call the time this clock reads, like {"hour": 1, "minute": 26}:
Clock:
{"hour": 7, "minute": 23}
